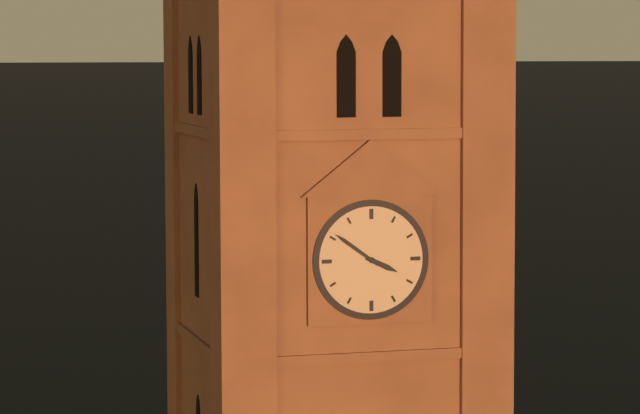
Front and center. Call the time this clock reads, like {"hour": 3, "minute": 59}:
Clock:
{"hour": 3, "minute": 51}
